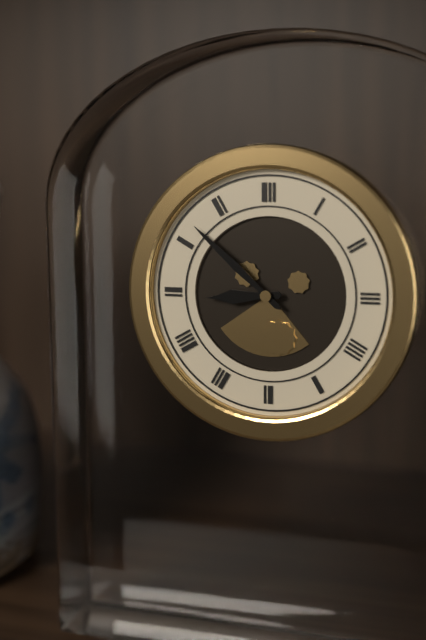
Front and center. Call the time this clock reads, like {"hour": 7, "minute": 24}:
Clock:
{"hour": 8, "minute": 52}
